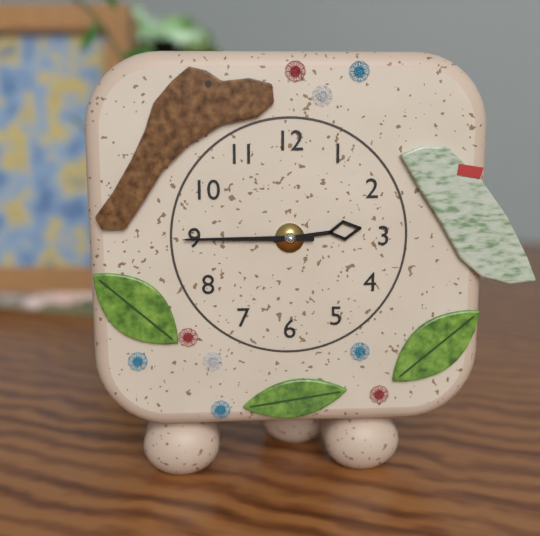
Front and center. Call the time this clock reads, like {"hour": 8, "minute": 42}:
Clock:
{"hour": 2, "minute": 45}
